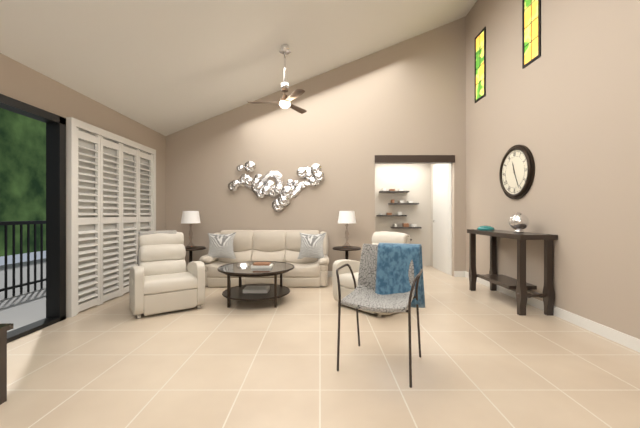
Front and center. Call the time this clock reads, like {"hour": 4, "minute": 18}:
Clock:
{"hour": 11, "minute": 26}
